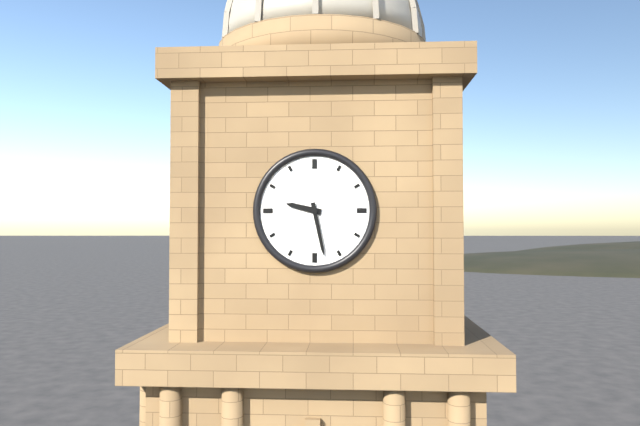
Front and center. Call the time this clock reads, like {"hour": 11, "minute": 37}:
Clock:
{"hour": 9, "minute": 28}
